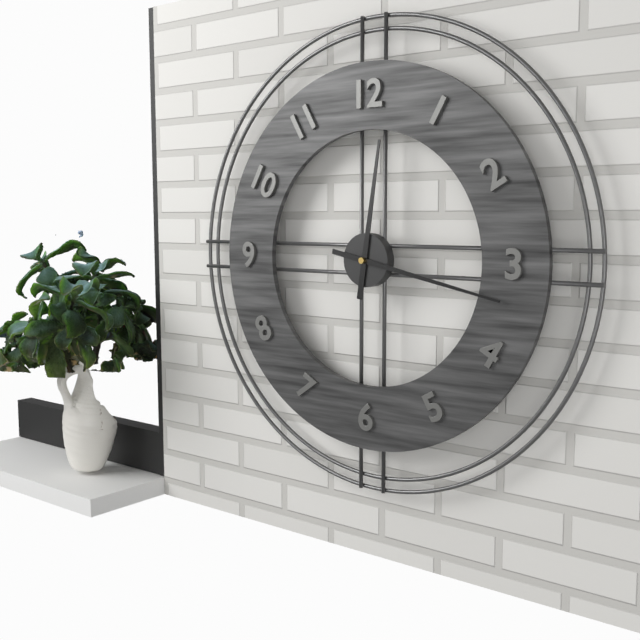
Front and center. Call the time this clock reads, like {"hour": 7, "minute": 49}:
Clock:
{"hour": 12, "minute": 17}
